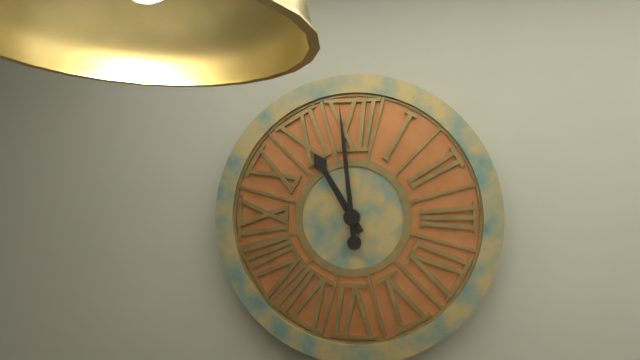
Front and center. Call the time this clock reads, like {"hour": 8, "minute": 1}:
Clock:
{"hour": 10, "minute": 59}
